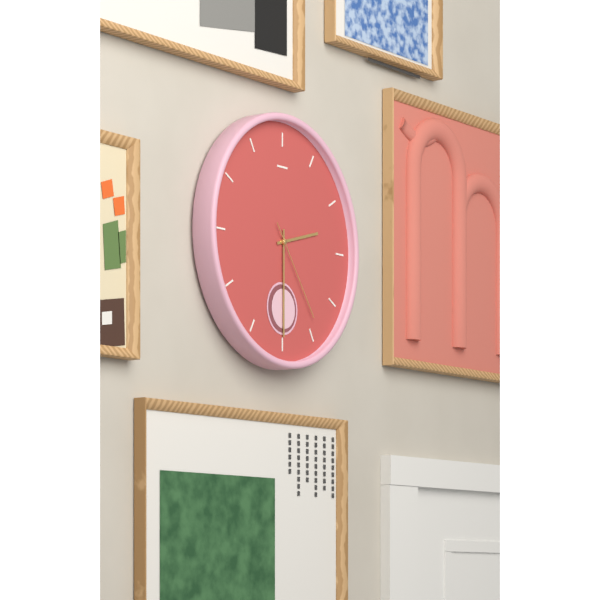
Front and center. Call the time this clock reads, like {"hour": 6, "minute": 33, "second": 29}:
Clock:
{"hour": 2, "minute": 30, "second": 24}
